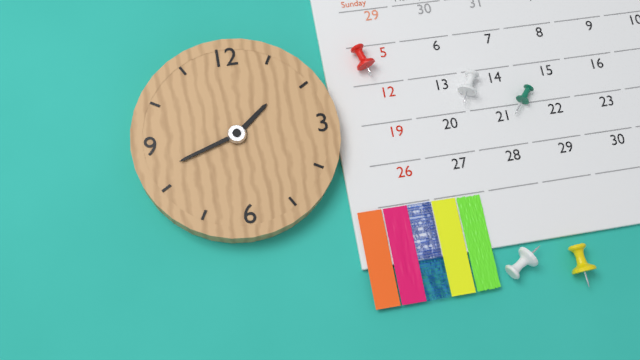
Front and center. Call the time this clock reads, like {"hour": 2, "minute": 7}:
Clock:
{"hour": 1, "minute": 42}
